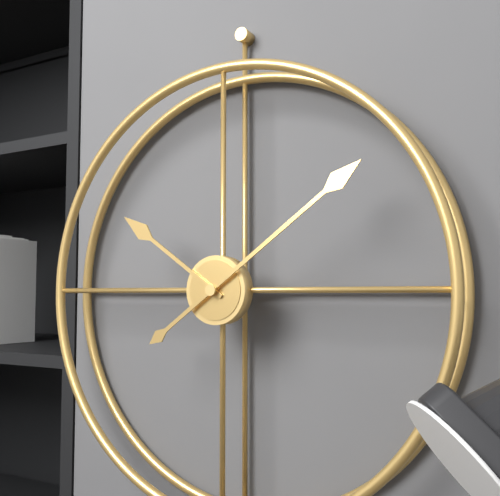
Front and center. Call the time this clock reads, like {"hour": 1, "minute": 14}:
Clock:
{"hour": 10, "minute": 9}
